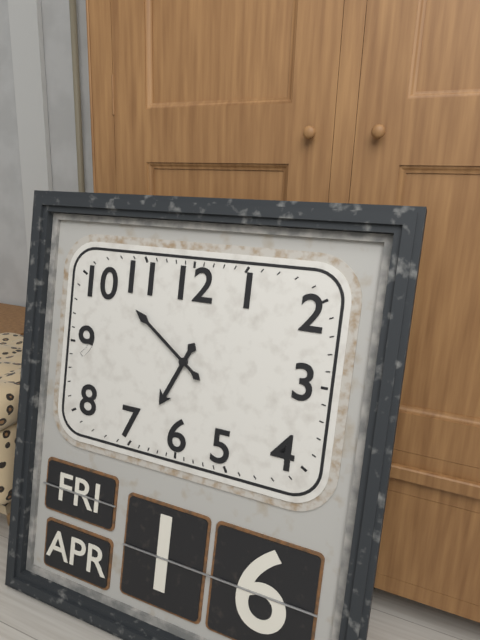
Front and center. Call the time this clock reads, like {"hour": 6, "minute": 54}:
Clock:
{"hour": 6, "minute": 51}
